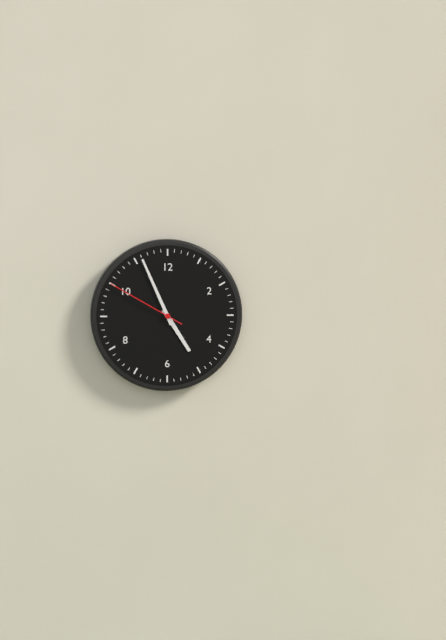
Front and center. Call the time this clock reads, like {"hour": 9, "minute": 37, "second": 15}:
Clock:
{"hour": 4, "minute": 56, "second": 50}
